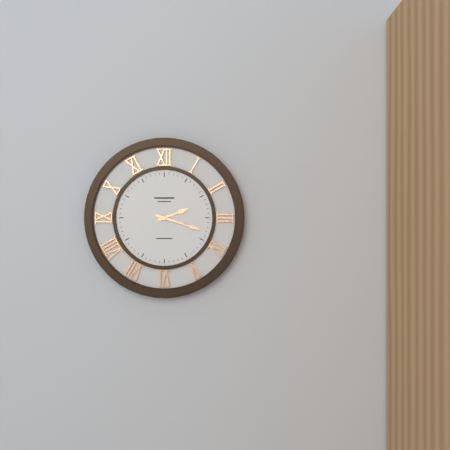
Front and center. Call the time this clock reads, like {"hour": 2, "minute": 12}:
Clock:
{"hour": 2, "minute": 18}
